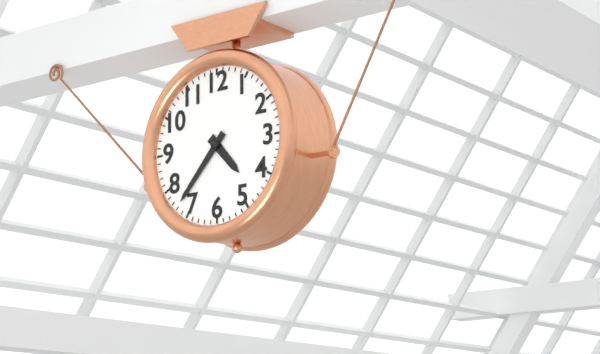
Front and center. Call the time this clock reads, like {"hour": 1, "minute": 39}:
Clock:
{"hour": 4, "minute": 37}
